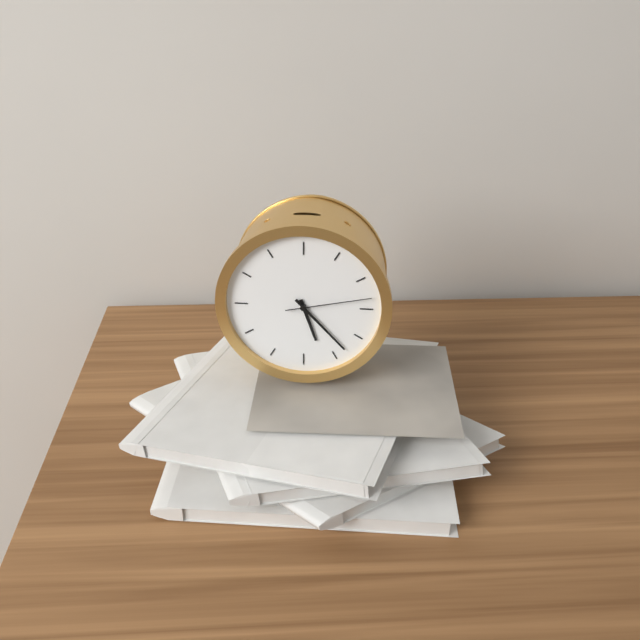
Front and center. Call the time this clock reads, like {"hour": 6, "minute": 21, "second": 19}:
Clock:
{"hour": 5, "minute": 23, "second": 13}
